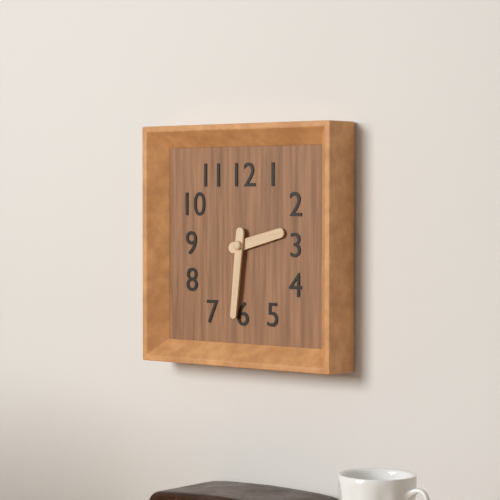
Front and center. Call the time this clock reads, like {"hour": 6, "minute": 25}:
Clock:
{"hour": 2, "minute": 31}
